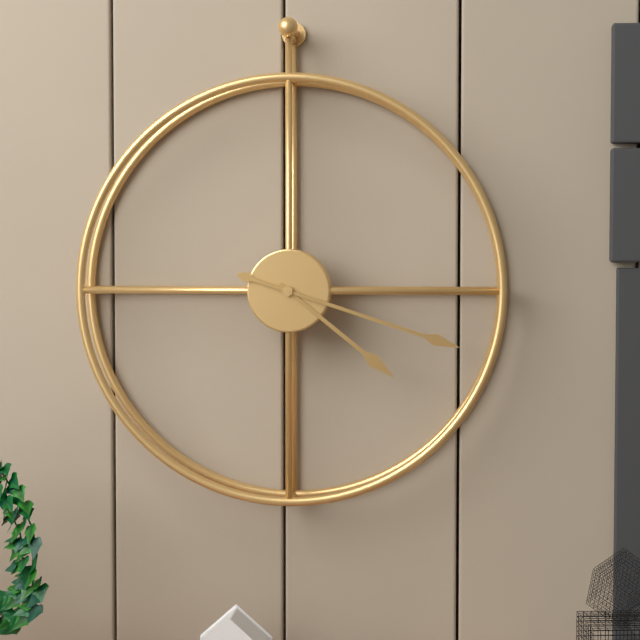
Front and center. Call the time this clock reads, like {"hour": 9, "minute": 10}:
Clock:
{"hour": 4, "minute": 18}
